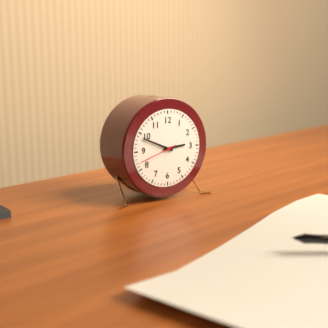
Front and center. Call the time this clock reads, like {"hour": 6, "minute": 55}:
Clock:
{"hour": 2, "minute": 49}
